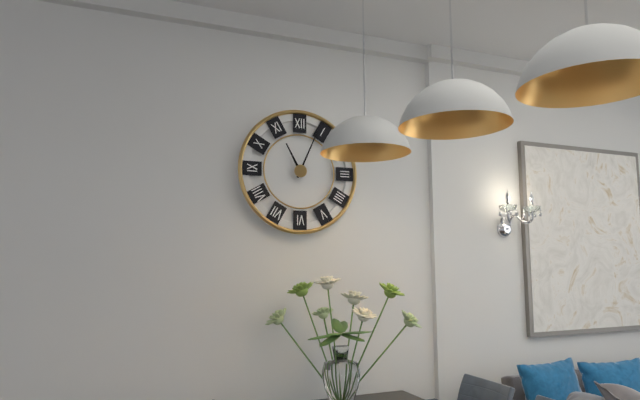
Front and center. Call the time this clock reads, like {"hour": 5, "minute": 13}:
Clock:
{"hour": 11, "minute": 4}
